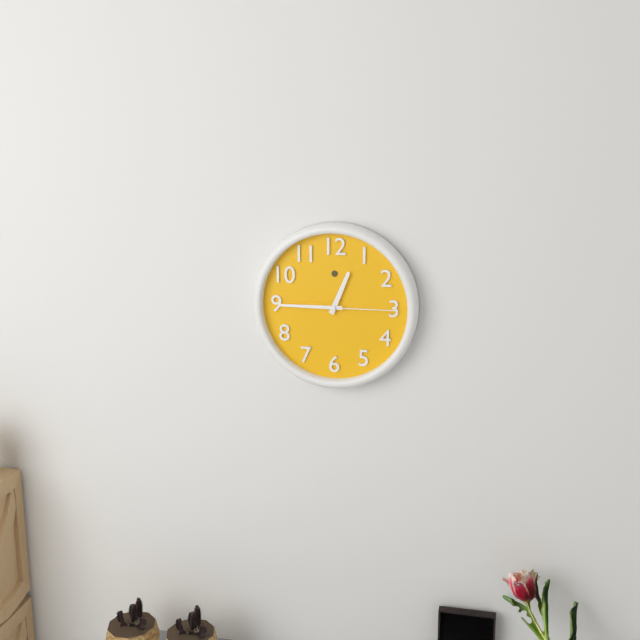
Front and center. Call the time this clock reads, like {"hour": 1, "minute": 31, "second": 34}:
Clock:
{"hour": 12, "minute": 45, "second": 15}
